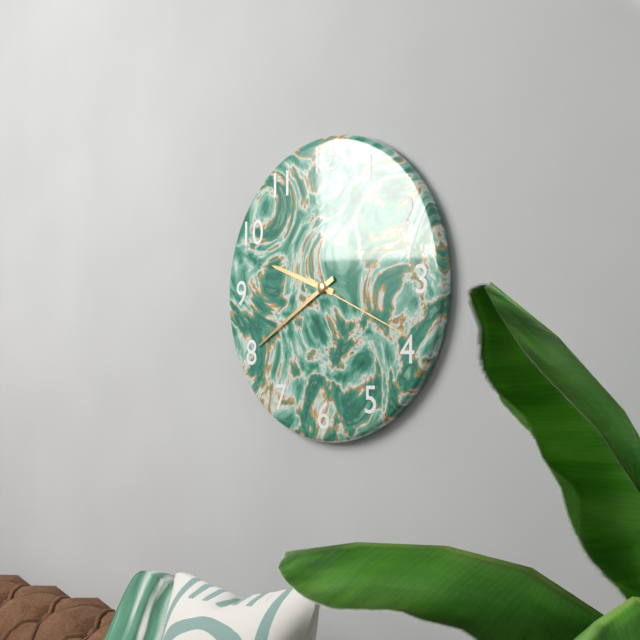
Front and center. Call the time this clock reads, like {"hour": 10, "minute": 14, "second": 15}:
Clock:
{"hour": 9, "minute": 40, "second": 19}
